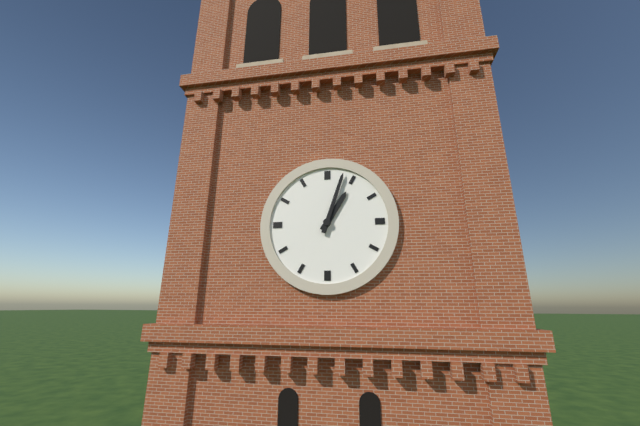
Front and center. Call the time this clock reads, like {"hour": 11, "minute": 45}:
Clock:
{"hour": 1, "minute": 3}
